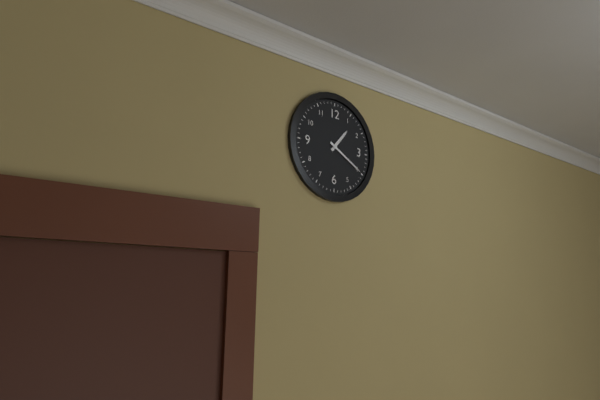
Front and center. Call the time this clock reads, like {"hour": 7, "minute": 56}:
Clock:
{"hour": 1, "minute": 20}
